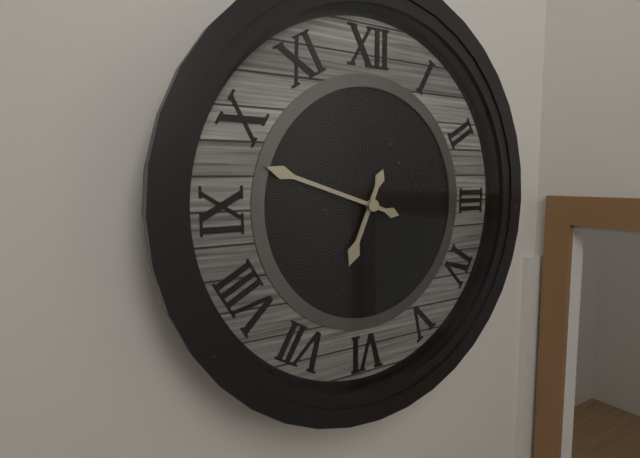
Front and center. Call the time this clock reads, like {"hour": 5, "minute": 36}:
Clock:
{"hour": 6, "minute": 48}
